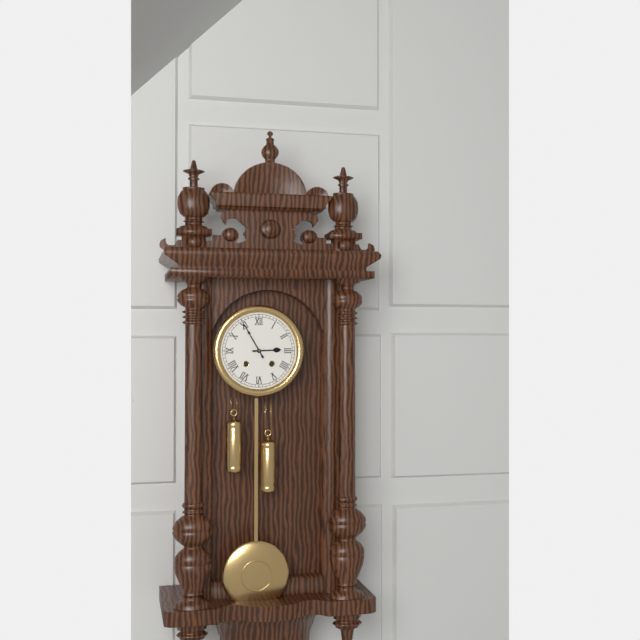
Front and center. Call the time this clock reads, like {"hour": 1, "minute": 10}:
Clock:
{"hour": 2, "minute": 55}
